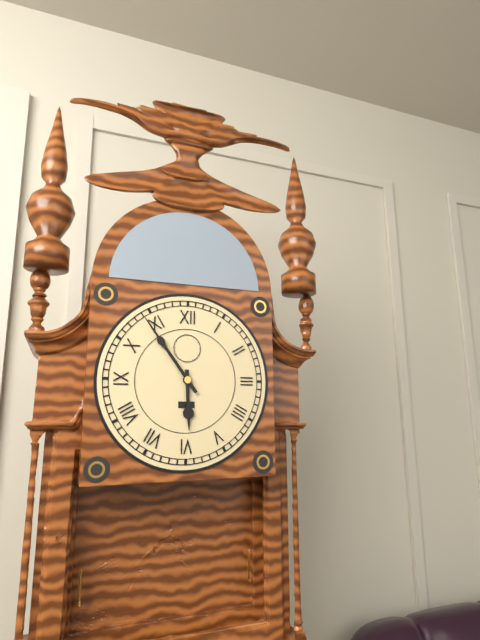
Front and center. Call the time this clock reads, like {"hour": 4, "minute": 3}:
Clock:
{"hour": 5, "minute": 54}
